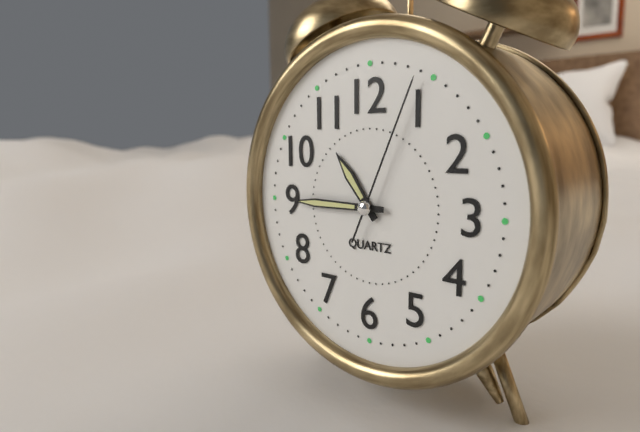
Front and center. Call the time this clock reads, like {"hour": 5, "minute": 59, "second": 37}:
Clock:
{"hour": 10, "minute": 45, "second": 4}
